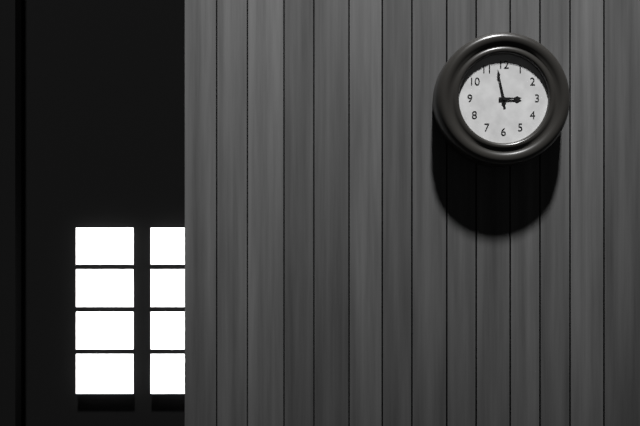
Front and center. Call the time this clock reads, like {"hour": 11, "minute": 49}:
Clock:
{"hour": 2, "minute": 58}
